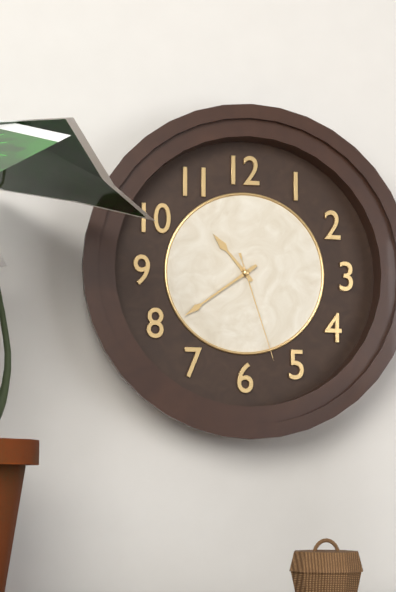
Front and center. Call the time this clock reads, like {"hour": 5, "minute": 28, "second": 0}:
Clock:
{"hour": 10, "minute": 39, "second": 27}
